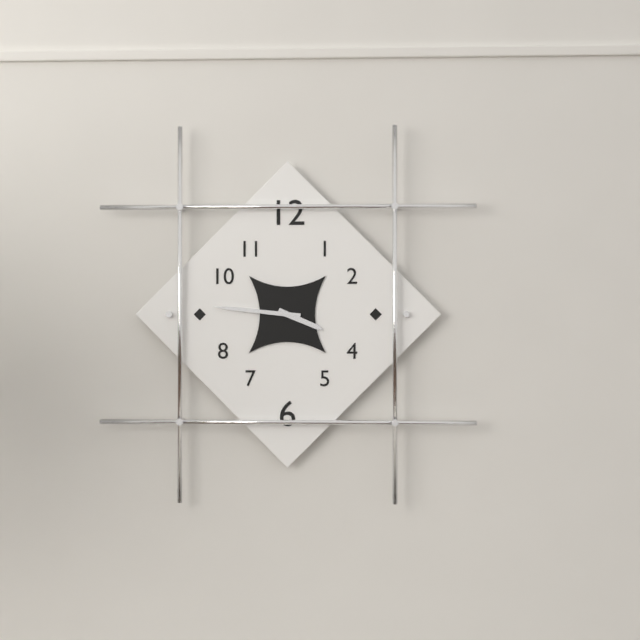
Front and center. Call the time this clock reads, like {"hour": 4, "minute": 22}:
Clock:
{"hour": 3, "minute": 46}
